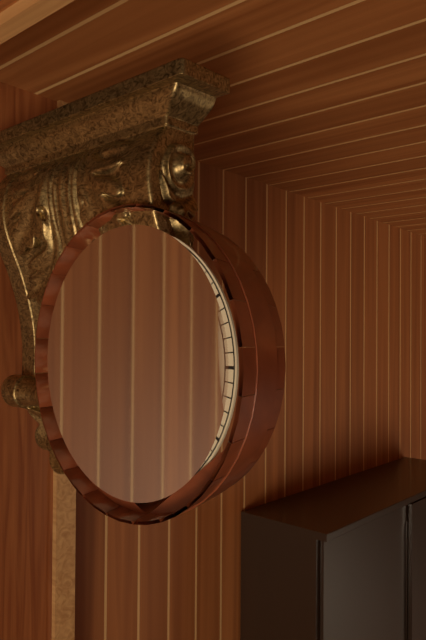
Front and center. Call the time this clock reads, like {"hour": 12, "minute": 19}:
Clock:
{"hour": 12, "minute": 54}
